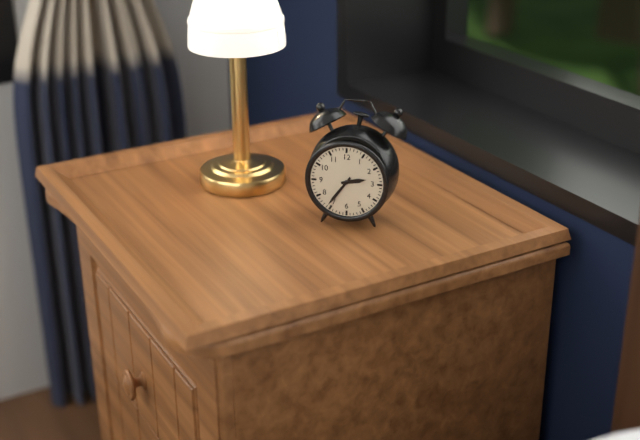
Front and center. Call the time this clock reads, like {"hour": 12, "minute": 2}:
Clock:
{"hour": 2, "minute": 36}
